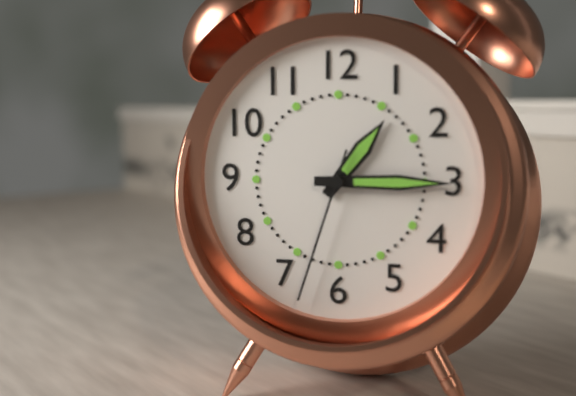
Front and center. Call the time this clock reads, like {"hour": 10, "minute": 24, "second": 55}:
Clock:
{"hour": 1, "minute": 15, "second": 33}
